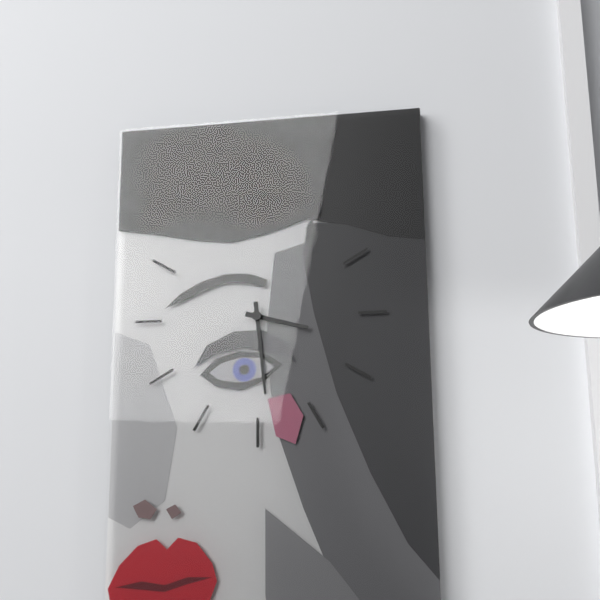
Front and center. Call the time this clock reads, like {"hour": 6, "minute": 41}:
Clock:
{"hour": 3, "minute": 29}
